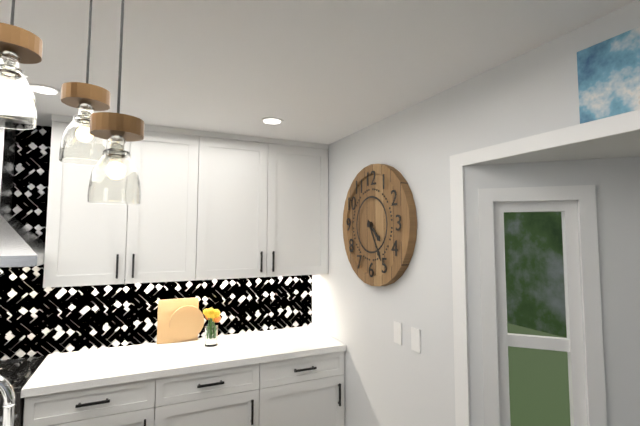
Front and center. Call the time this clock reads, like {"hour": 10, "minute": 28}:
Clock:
{"hour": 4, "minute": 25}
